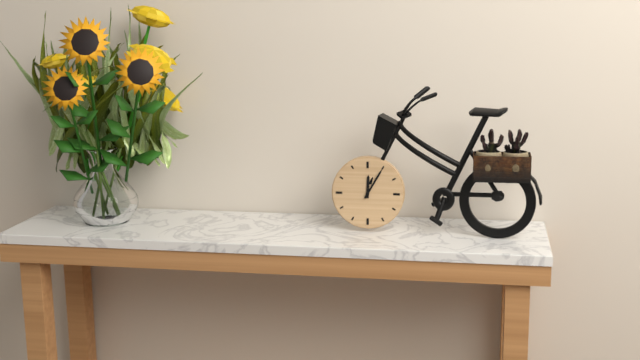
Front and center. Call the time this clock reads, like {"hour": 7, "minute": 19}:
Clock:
{"hour": 12, "minute": 5}
